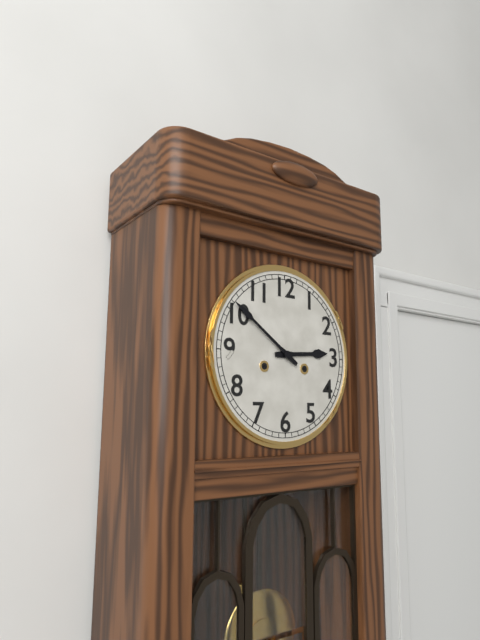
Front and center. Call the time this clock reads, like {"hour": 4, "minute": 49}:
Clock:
{"hour": 2, "minute": 51}
